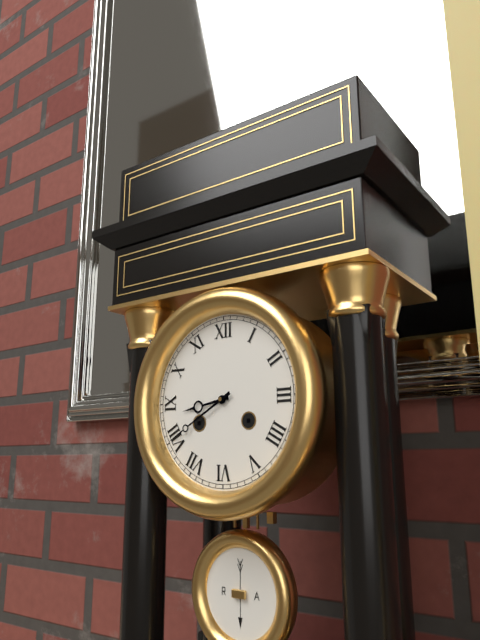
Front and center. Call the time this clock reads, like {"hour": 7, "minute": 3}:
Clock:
{"hour": 8, "minute": 40}
